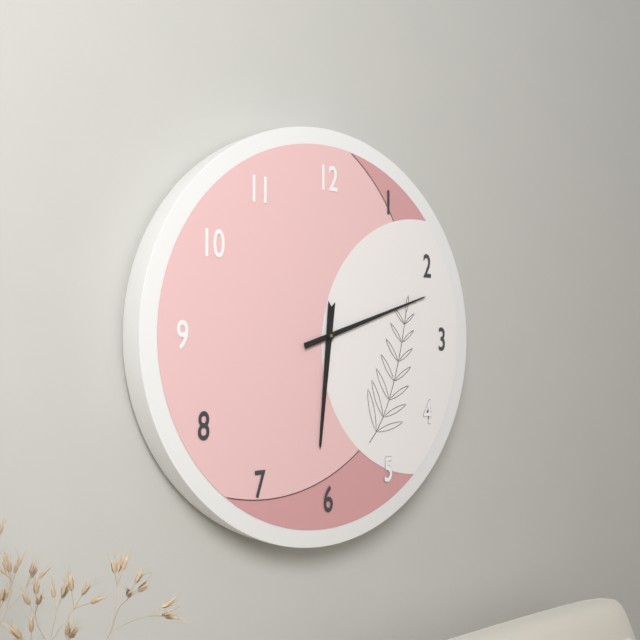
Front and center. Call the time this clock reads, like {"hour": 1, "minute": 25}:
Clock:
{"hour": 6, "minute": 12}
